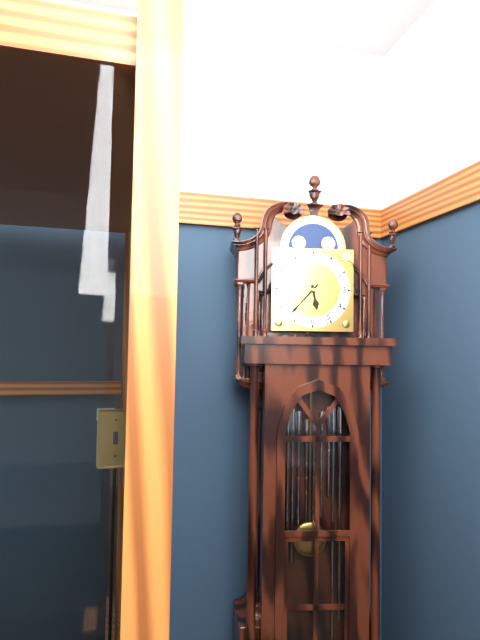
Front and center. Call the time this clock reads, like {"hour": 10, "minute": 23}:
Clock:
{"hour": 5, "minute": 37}
